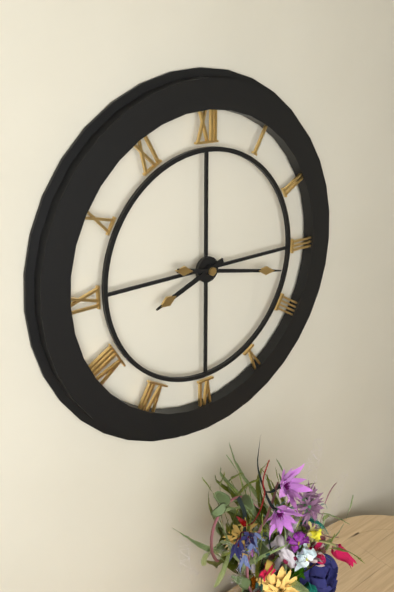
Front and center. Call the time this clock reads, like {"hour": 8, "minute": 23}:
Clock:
{"hour": 8, "minute": 17}
